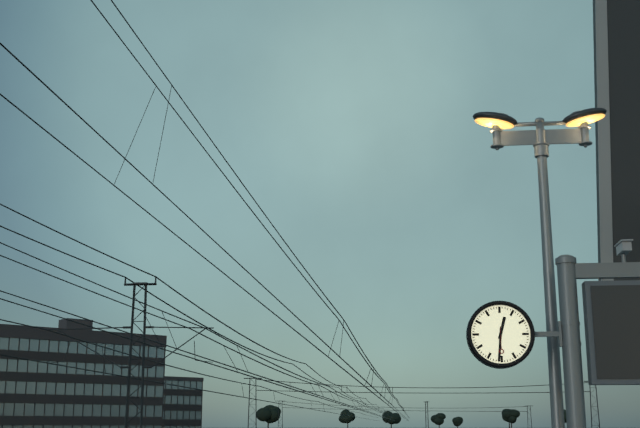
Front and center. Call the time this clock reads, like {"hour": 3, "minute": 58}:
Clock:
{"hour": 12, "minute": 31}
